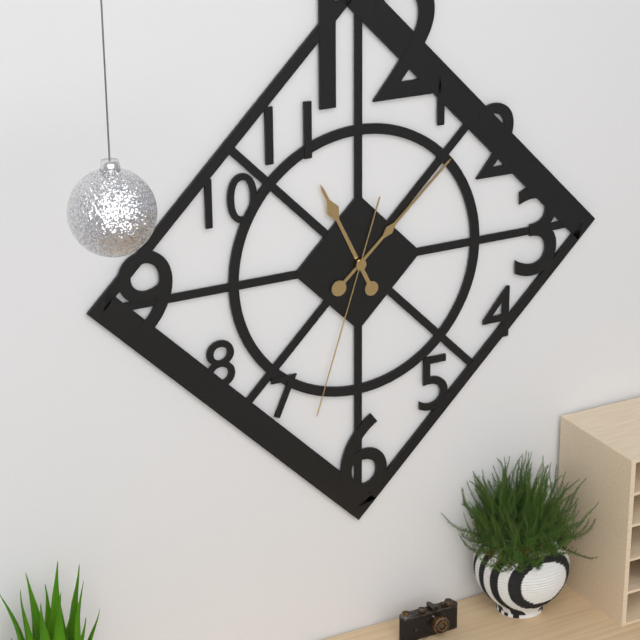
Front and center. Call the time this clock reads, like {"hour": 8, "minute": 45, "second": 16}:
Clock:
{"hour": 11, "minute": 8, "second": 33}
